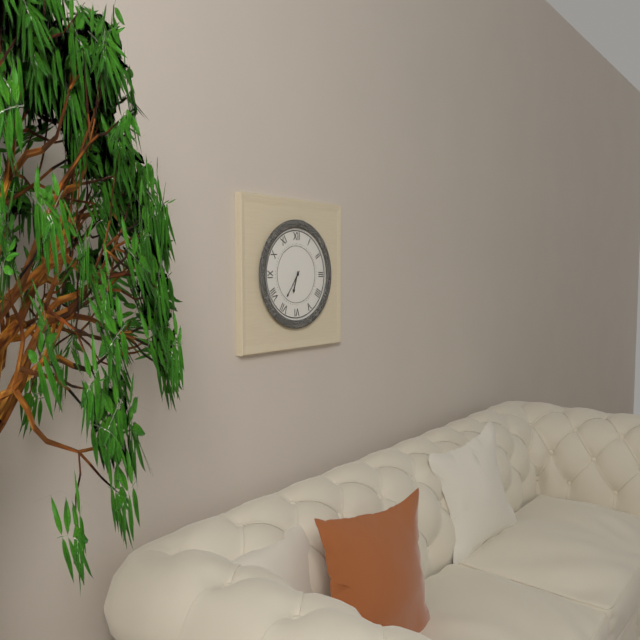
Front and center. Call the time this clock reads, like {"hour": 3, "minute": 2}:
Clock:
{"hour": 6, "minute": 36}
